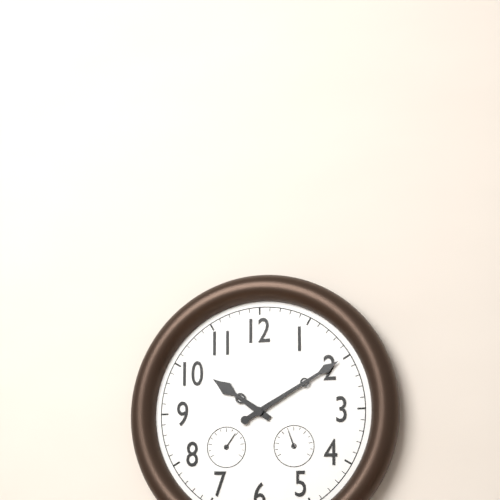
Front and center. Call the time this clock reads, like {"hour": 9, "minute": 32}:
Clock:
{"hour": 10, "minute": 10}
